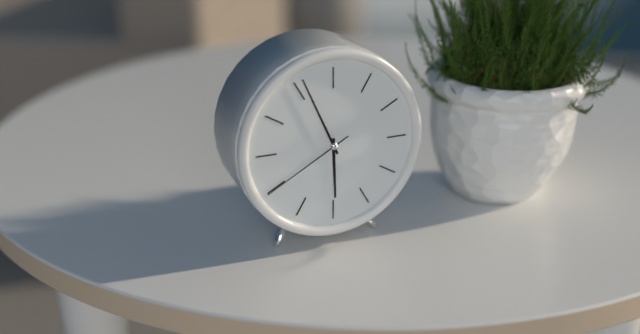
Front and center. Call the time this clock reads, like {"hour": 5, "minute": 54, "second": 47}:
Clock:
{"hour": 5, "minute": 56, "second": 40}
